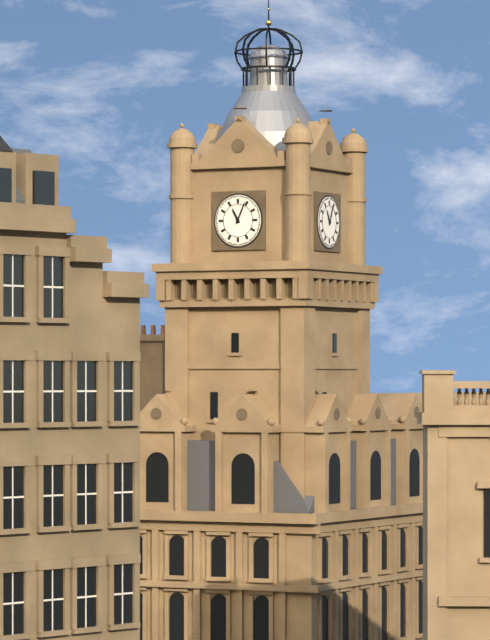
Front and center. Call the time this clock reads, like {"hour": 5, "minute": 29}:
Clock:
{"hour": 11, "minute": 4}
